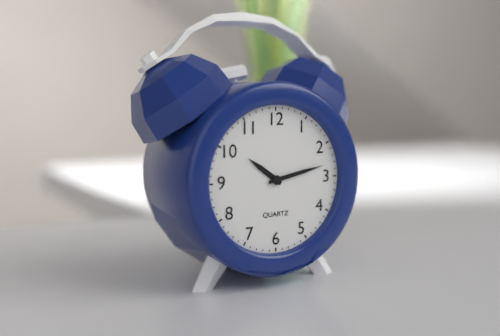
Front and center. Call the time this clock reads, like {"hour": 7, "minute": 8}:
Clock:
{"hour": 10, "minute": 13}
